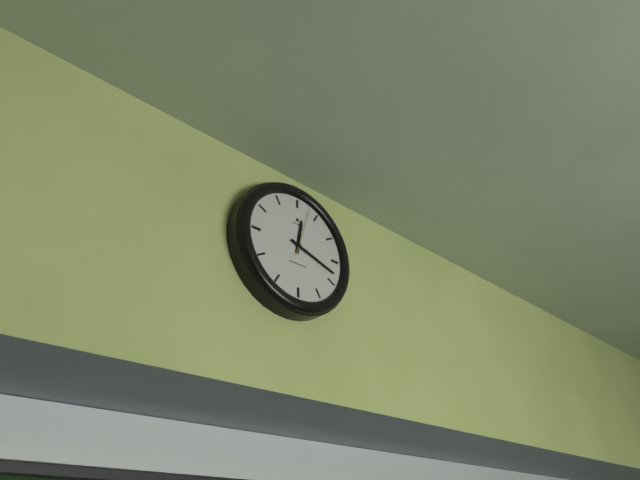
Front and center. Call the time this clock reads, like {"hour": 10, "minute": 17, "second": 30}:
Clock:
{"hour": 12, "minute": 18, "second": 3}
